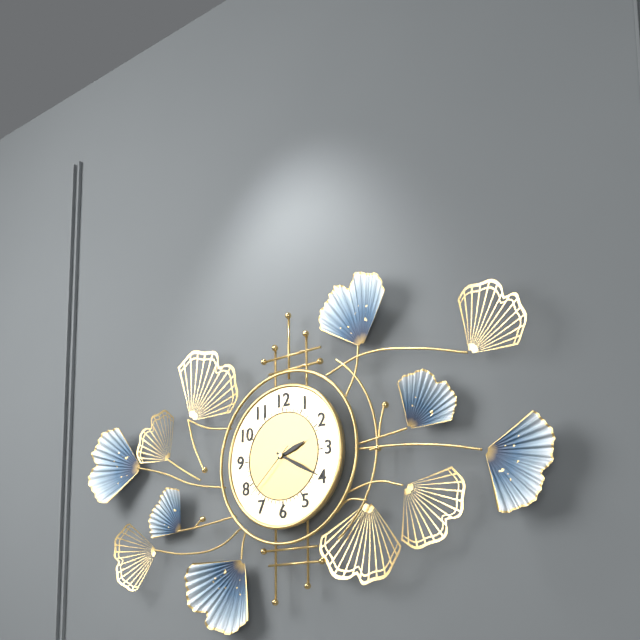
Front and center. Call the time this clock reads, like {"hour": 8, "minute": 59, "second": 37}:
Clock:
{"hour": 2, "minute": 20, "second": 38}
